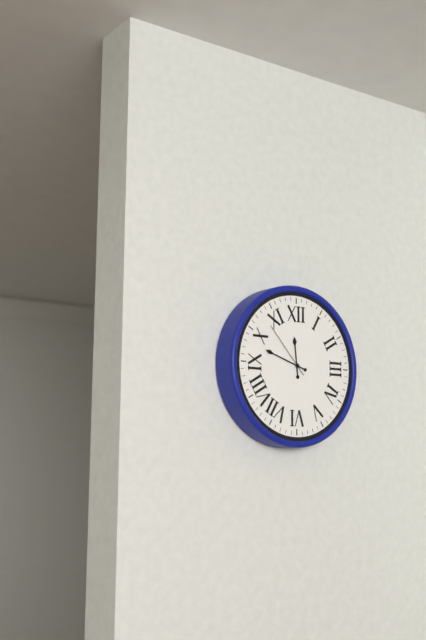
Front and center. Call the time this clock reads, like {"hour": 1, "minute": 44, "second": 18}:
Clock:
{"hour": 11, "minute": 48, "second": 53}
